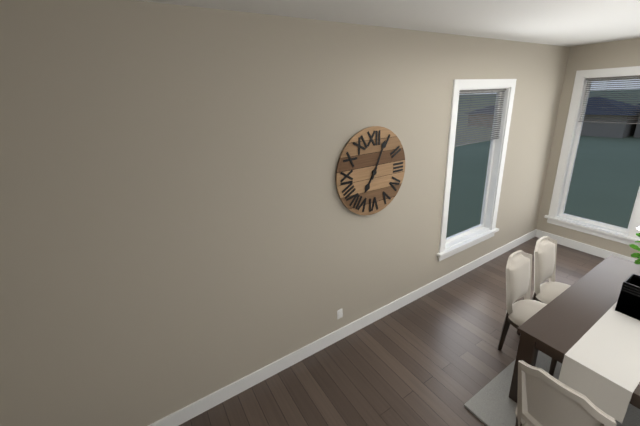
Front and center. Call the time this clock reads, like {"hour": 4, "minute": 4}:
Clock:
{"hour": 7, "minute": 4}
